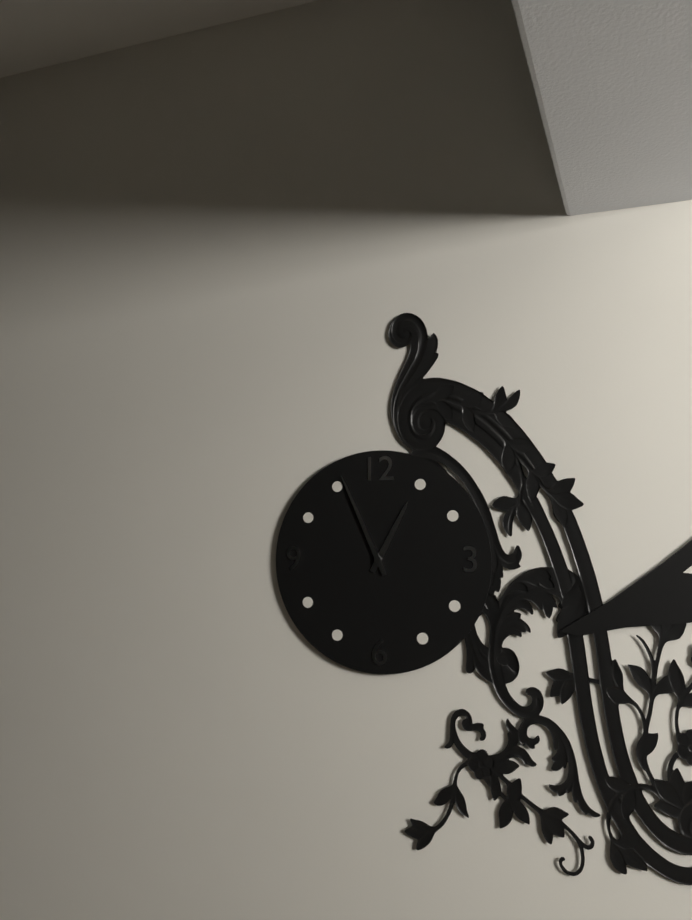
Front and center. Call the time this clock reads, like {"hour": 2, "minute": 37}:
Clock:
{"hour": 12, "minute": 56}
